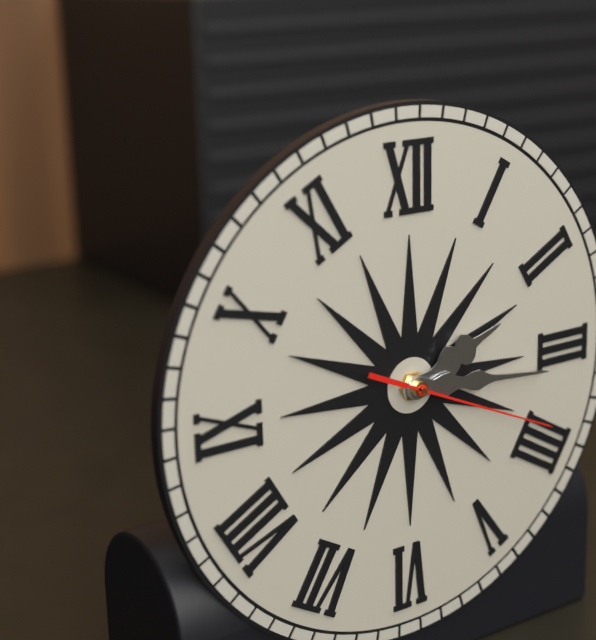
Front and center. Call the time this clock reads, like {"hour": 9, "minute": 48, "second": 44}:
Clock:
{"hour": 2, "minute": 16, "second": 19}
